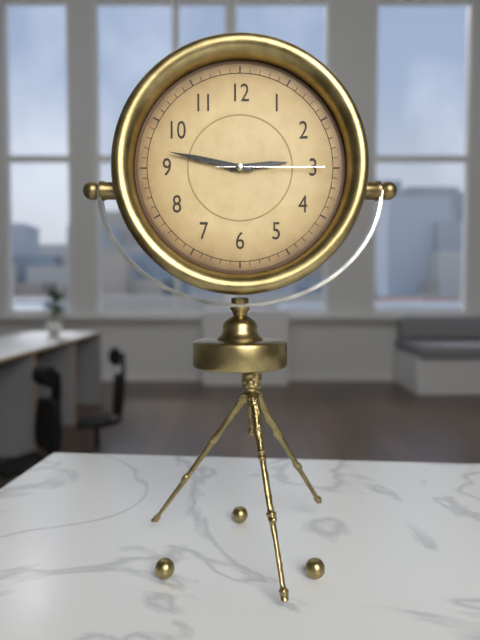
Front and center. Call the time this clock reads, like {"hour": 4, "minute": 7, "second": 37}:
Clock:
{"hour": 2, "minute": 47, "second": 15}
